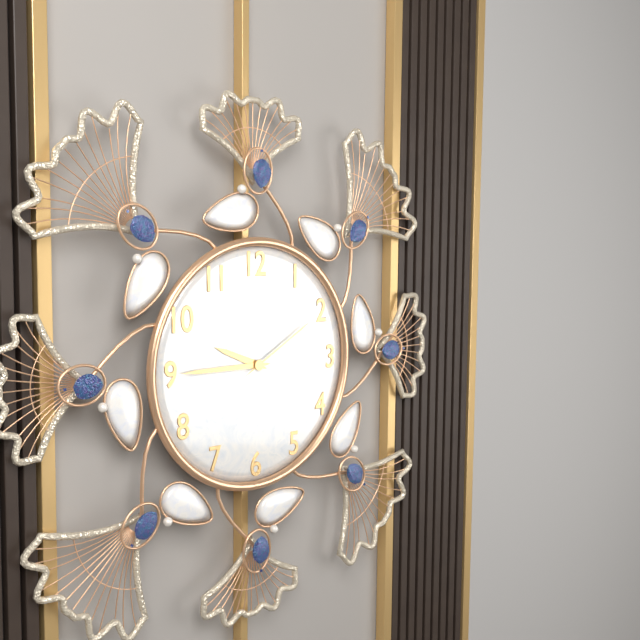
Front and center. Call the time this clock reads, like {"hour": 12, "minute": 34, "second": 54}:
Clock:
{"hour": 9, "minute": 45, "second": 10}
